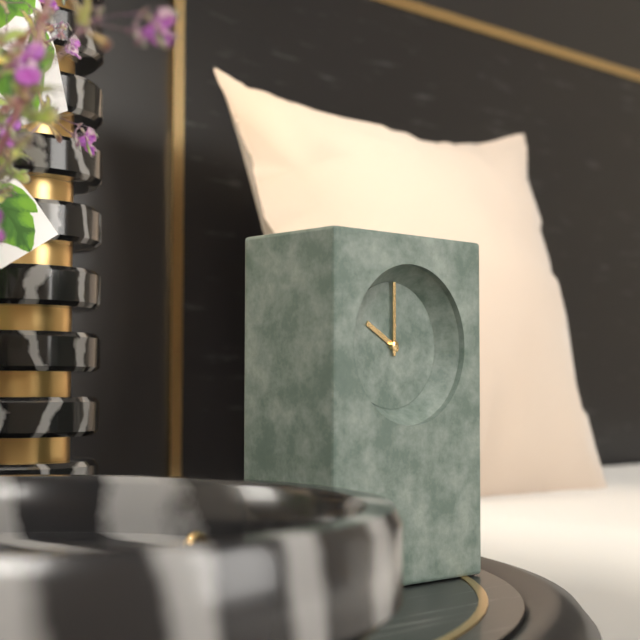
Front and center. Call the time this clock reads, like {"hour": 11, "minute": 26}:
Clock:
{"hour": 10, "minute": 0}
